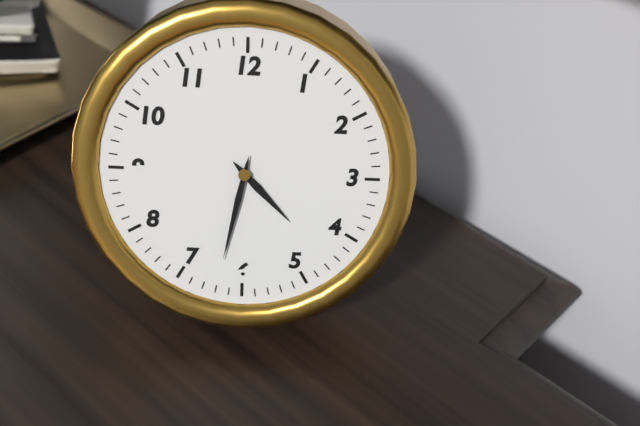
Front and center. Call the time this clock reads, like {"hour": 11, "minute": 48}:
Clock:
{"hour": 4, "minute": 32}
